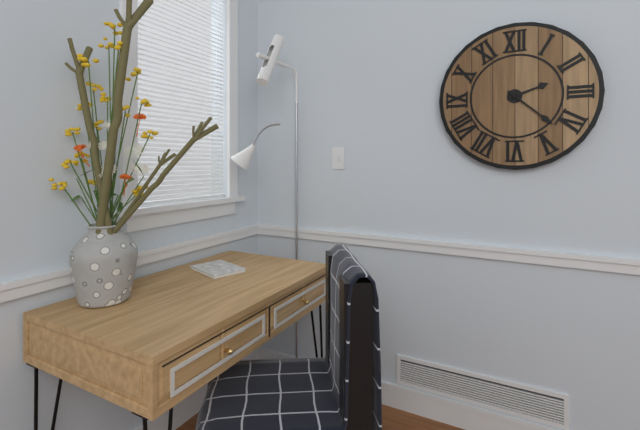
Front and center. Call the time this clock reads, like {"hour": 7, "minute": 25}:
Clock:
{"hour": 2, "minute": 22}
